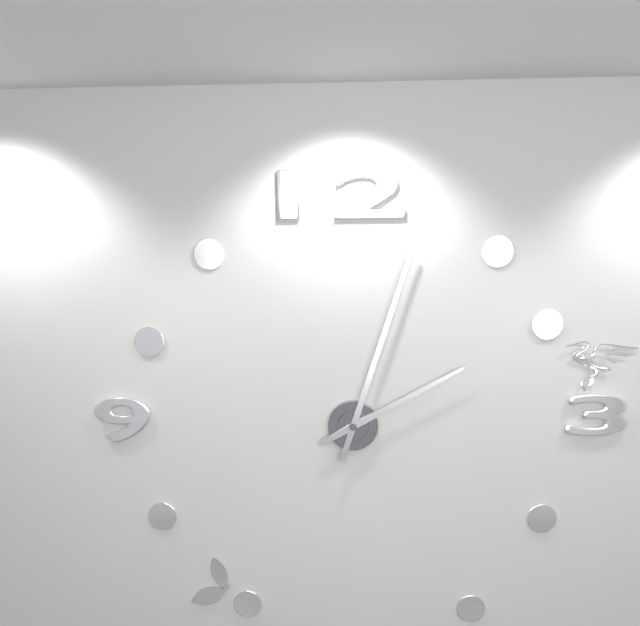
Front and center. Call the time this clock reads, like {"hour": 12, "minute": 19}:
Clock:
{"hour": 2, "minute": 3}
